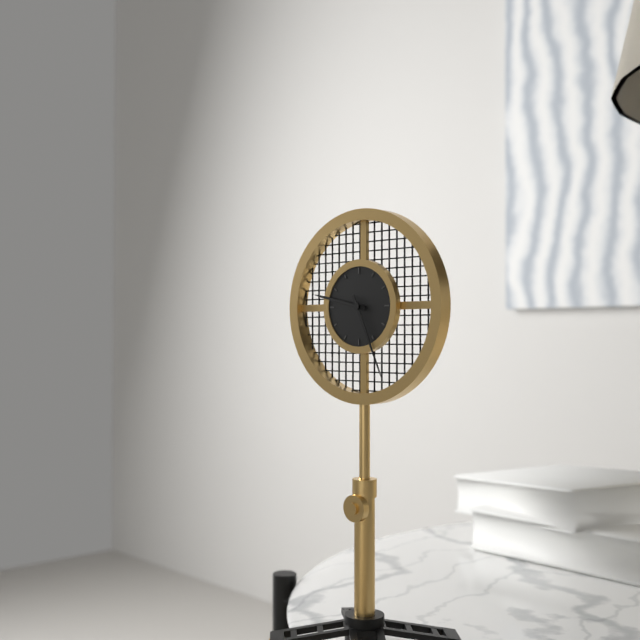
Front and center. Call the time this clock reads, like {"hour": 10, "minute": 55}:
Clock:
{"hour": 9, "minute": 26}
